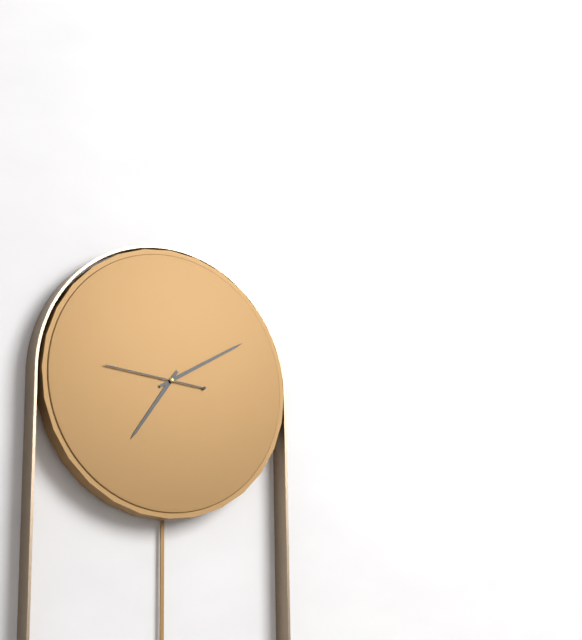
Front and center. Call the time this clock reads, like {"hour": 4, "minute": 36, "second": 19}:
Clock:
{"hour": 7, "minute": 10, "second": 46}
